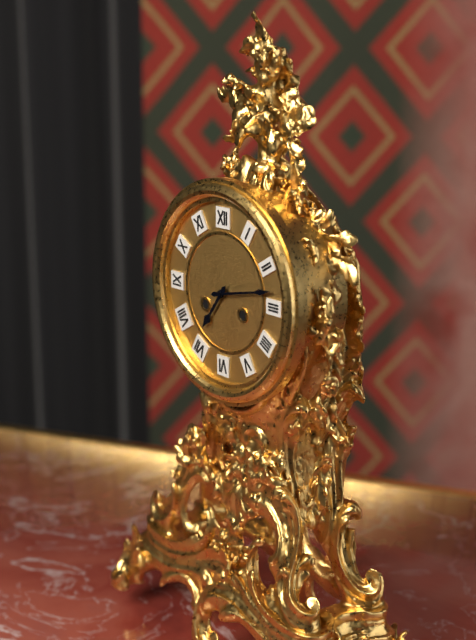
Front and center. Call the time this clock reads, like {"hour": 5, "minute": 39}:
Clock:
{"hour": 7, "minute": 13}
